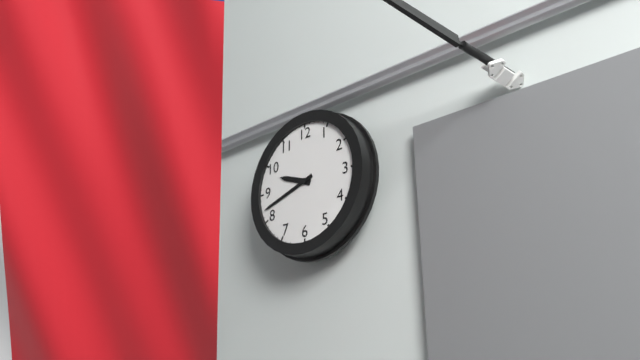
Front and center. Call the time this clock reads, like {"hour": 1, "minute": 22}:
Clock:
{"hour": 9, "minute": 42}
